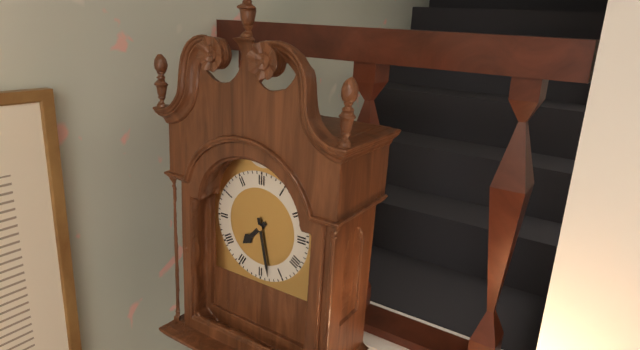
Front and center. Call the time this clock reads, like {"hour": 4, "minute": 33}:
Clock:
{"hour": 7, "minute": 28}
